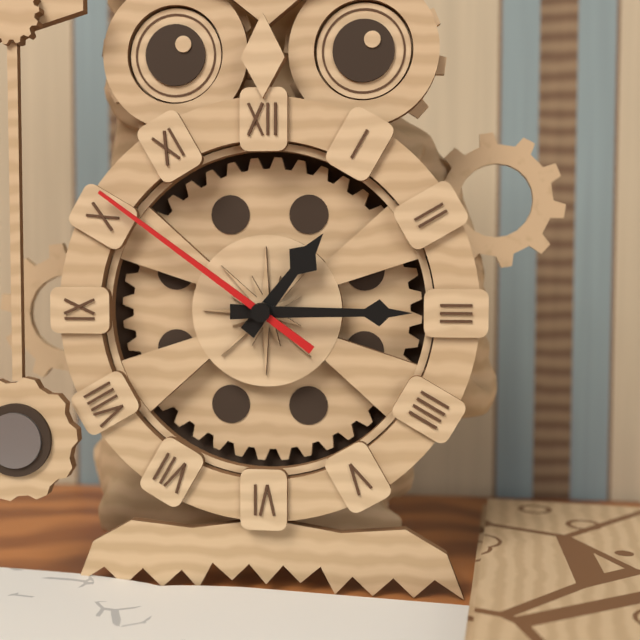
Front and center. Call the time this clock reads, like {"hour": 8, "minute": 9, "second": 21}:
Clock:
{"hour": 1, "minute": 15, "second": 51}
